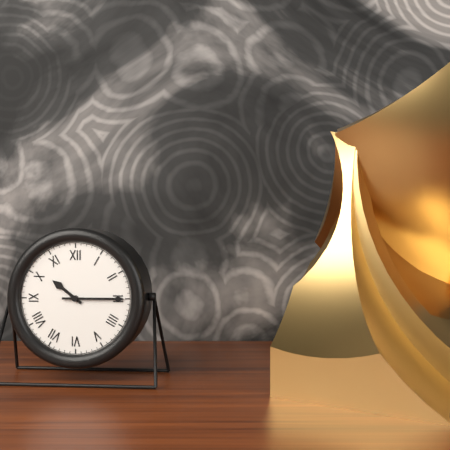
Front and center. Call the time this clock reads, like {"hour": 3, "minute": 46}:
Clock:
{"hour": 10, "minute": 15}
